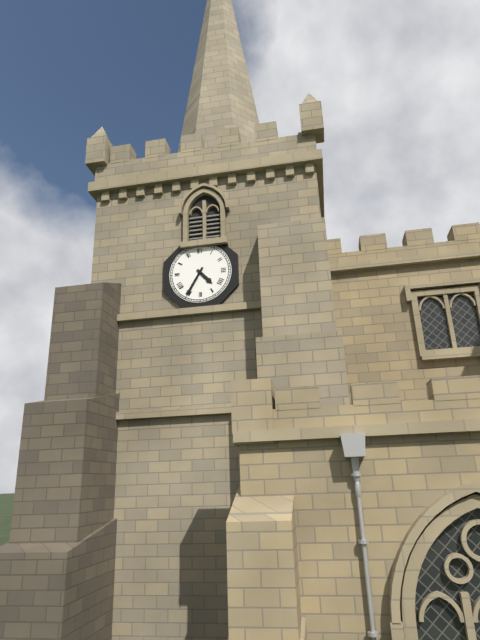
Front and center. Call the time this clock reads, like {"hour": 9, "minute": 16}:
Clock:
{"hour": 4, "minute": 35}
